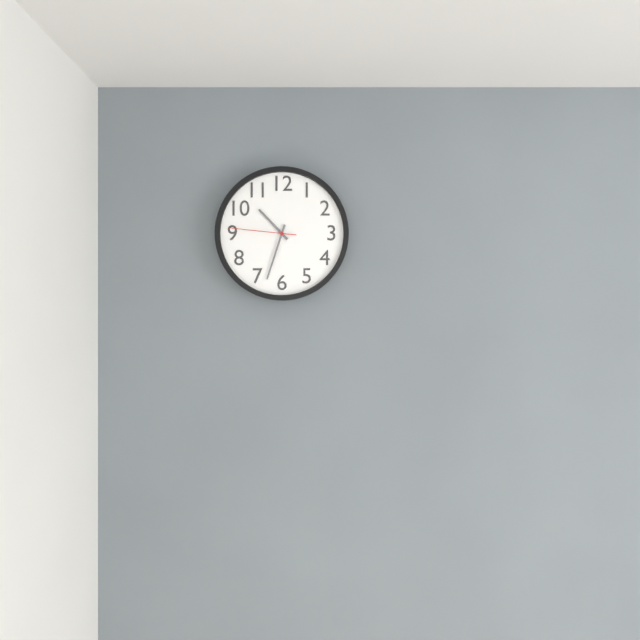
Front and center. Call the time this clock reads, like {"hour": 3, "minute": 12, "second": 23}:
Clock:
{"hour": 10, "minute": 33, "second": 46}
